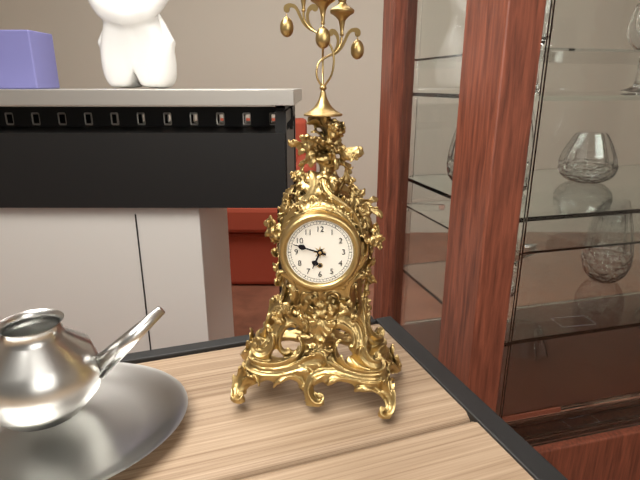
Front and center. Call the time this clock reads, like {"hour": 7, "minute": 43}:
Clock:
{"hour": 6, "minute": 48}
